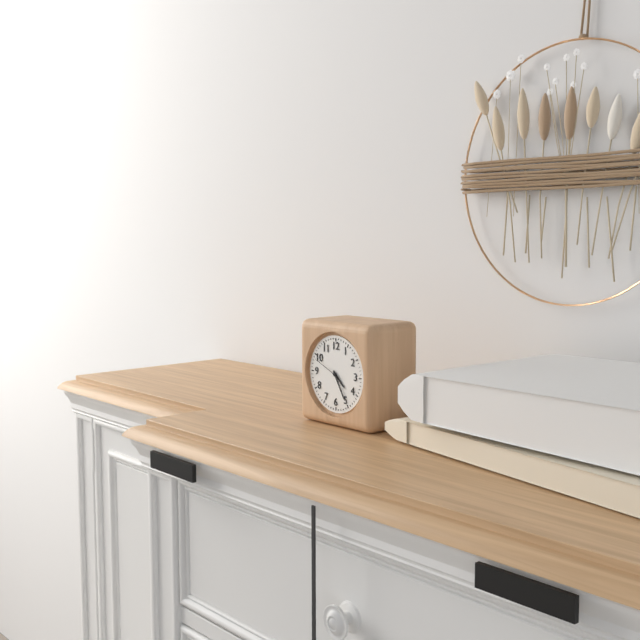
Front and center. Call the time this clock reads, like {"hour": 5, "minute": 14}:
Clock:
{"hour": 4, "minute": 25}
